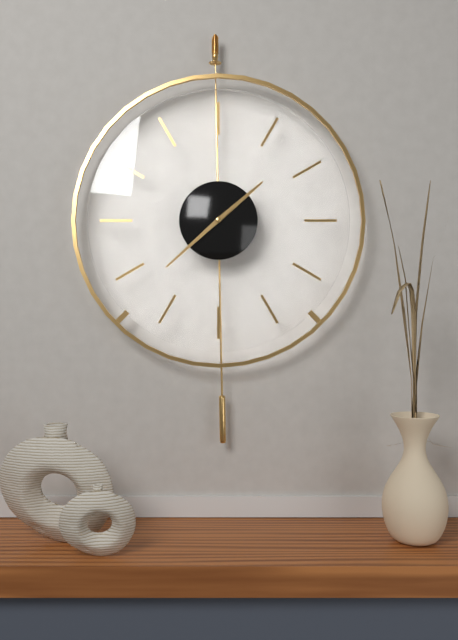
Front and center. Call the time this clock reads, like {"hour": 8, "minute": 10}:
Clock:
{"hour": 1, "minute": 38}
